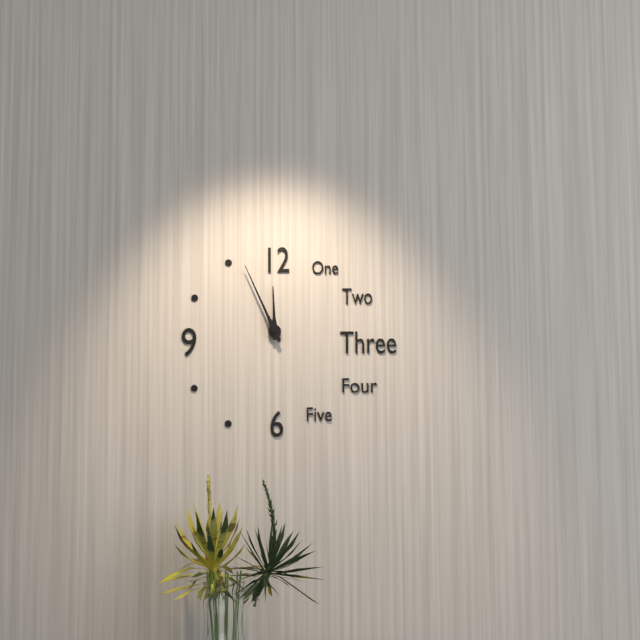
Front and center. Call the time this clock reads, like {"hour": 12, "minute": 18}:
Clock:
{"hour": 11, "minute": 56}
